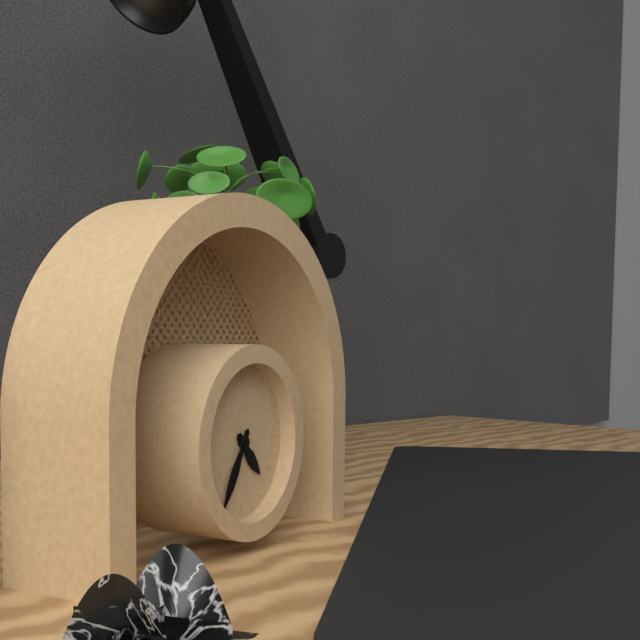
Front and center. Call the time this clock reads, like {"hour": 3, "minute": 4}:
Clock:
{"hour": 4, "minute": 35}
